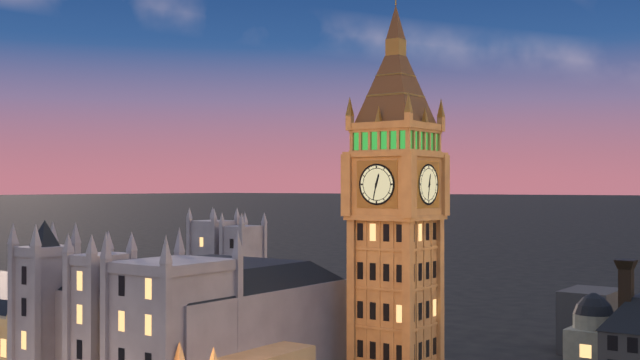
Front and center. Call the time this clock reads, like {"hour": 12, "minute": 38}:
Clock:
{"hour": 12, "minute": 32}
